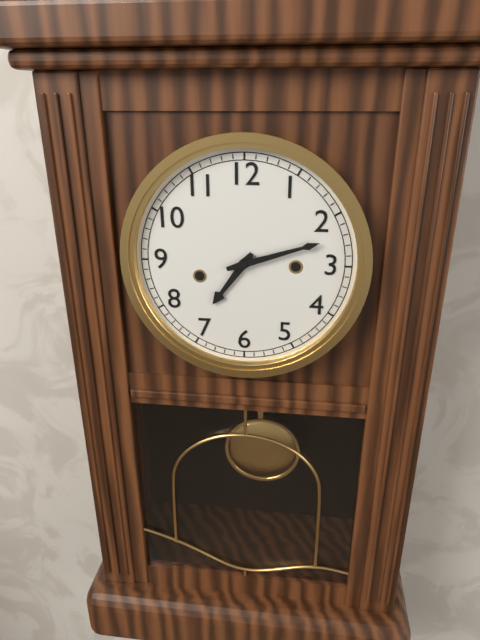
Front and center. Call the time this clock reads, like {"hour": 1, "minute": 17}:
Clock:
{"hour": 7, "minute": 12}
